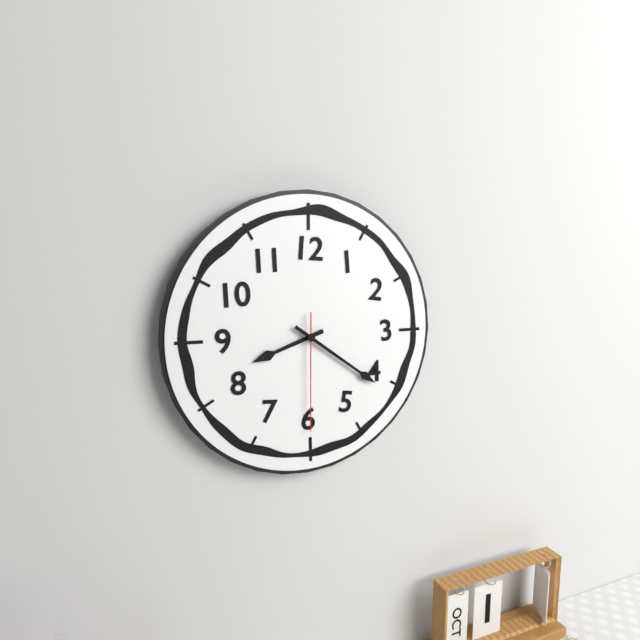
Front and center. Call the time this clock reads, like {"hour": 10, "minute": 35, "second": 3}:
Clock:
{"hour": 8, "minute": 21, "second": 30}
